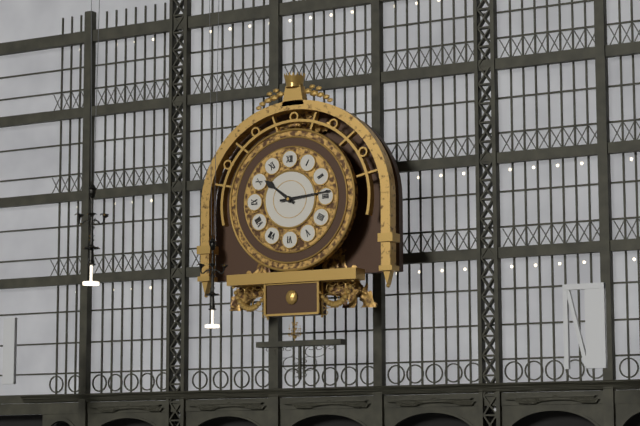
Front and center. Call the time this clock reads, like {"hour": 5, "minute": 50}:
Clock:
{"hour": 10, "minute": 14}
